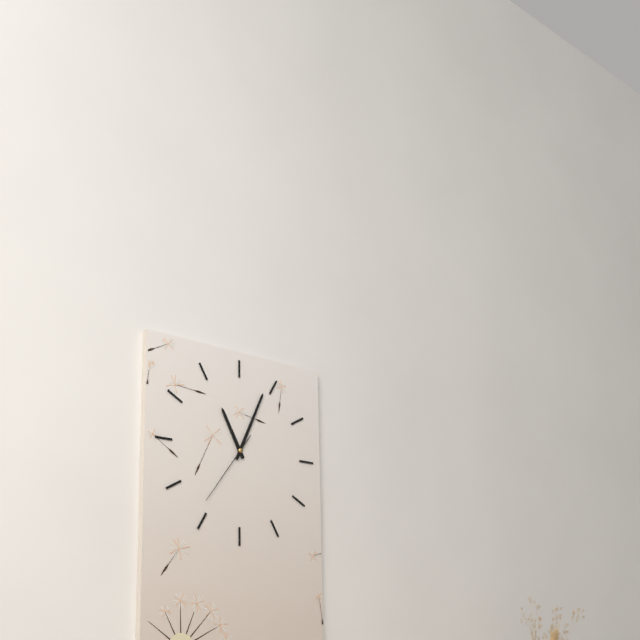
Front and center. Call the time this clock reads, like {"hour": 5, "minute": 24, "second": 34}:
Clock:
{"hour": 11, "minute": 4, "second": 36}
